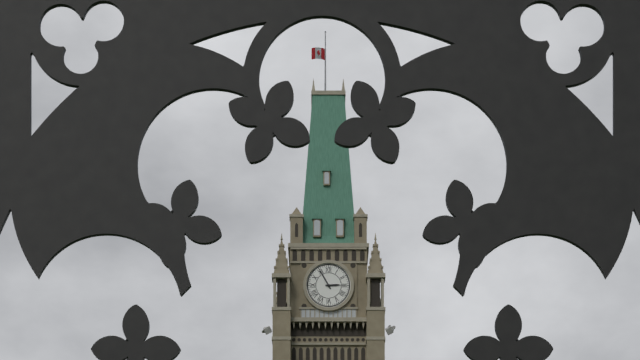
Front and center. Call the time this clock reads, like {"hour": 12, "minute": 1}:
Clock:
{"hour": 2, "minute": 55}
